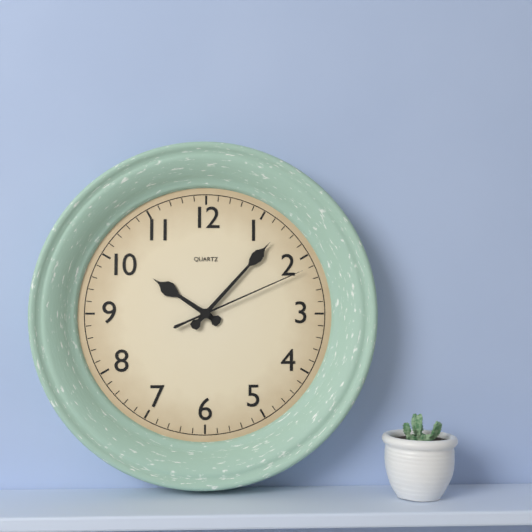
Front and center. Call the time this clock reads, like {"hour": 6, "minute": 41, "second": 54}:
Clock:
{"hour": 10, "minute": 7, "second": 11}
